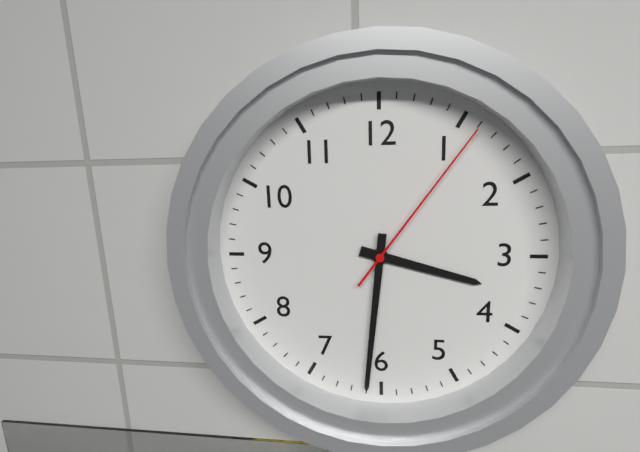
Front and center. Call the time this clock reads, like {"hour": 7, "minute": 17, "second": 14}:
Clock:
{"hour": 3, "minute": 31, "second": 6}
